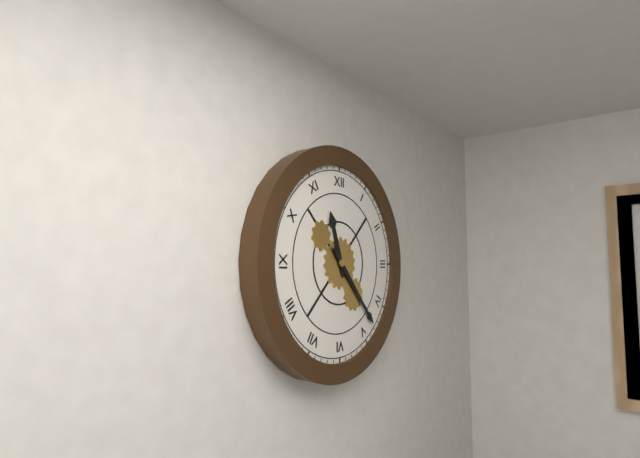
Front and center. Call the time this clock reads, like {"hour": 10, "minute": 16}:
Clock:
{"hour": 11, "minute": 23}
